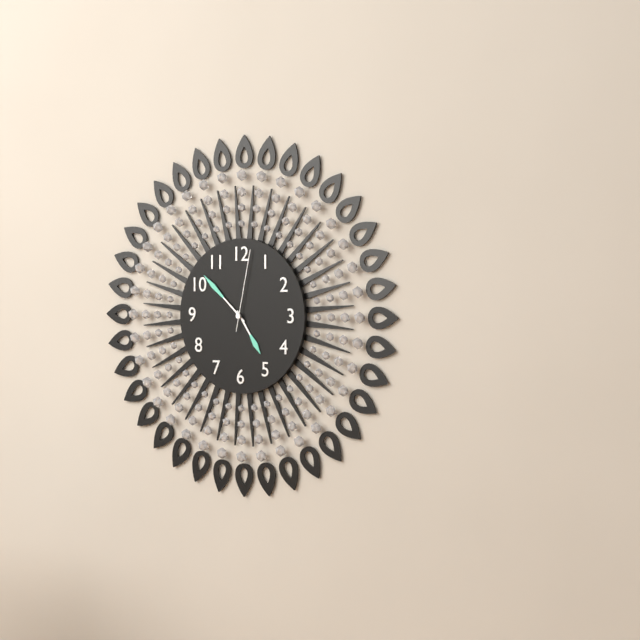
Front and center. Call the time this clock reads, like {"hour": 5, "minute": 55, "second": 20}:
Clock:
{"hour": 4, "minute": 52, "second": 2}
